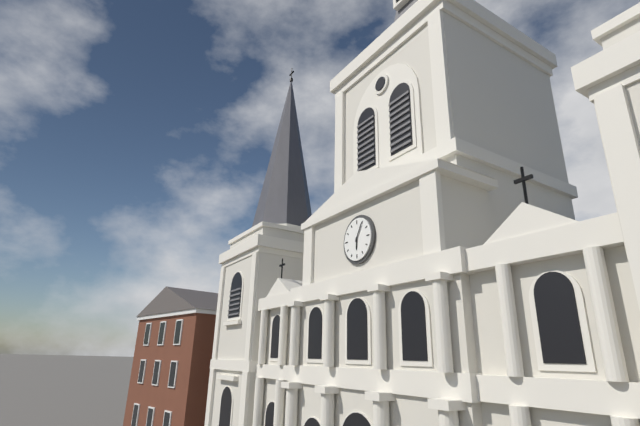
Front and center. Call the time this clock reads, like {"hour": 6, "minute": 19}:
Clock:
{"hour": 6, "minute": 5}
